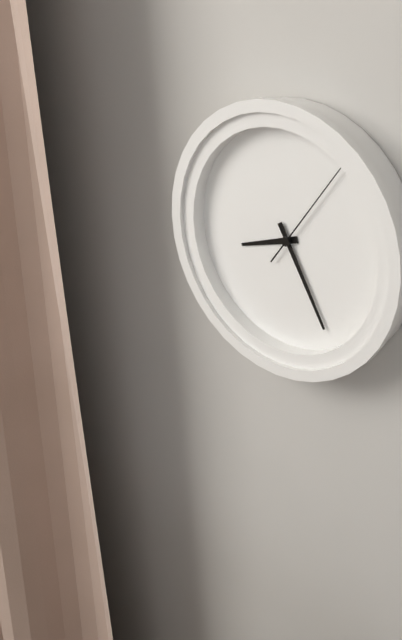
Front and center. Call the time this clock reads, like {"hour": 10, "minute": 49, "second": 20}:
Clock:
{"hour": 8, "minute": 25, "second": 6}
